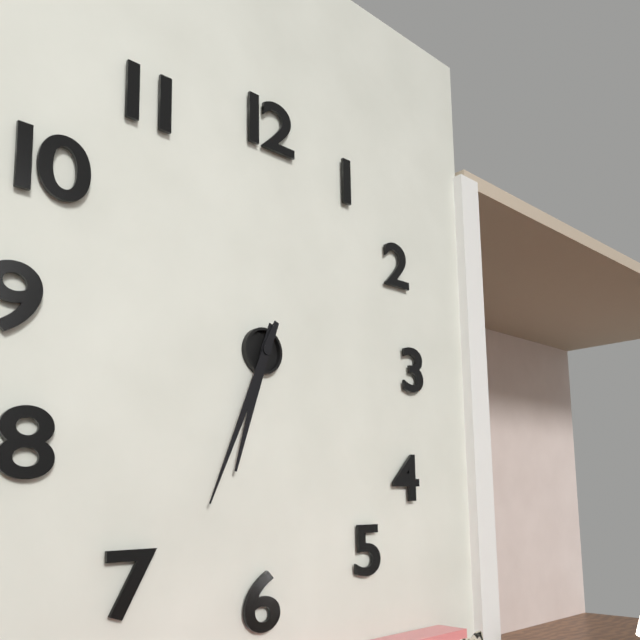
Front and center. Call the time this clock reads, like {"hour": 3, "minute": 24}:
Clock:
{"hour": 6, "minute": 34}
